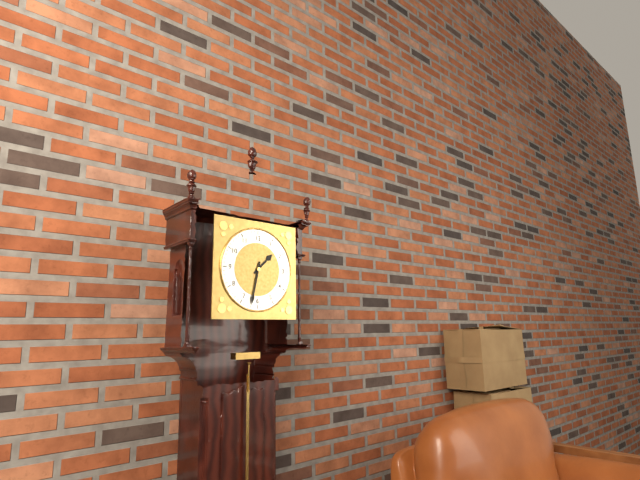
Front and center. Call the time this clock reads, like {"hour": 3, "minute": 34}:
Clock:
{"hour": 1, "minute": 32}
